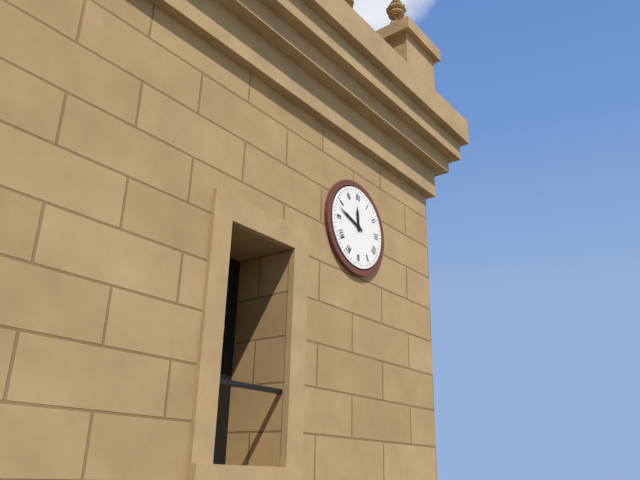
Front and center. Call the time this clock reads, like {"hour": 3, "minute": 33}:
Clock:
{"hour": 11, "minute": 48}
